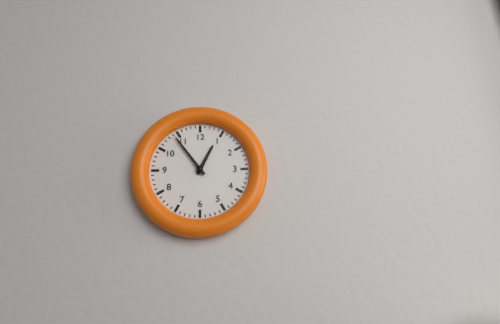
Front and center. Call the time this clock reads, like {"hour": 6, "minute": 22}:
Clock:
{"hour": 12, "minute": 54}
